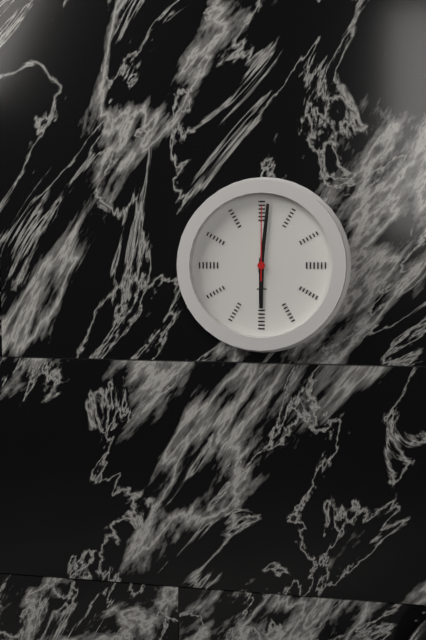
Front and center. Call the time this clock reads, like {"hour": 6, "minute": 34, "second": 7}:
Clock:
{"hour": 6, "minute": 1, "second": 0}
